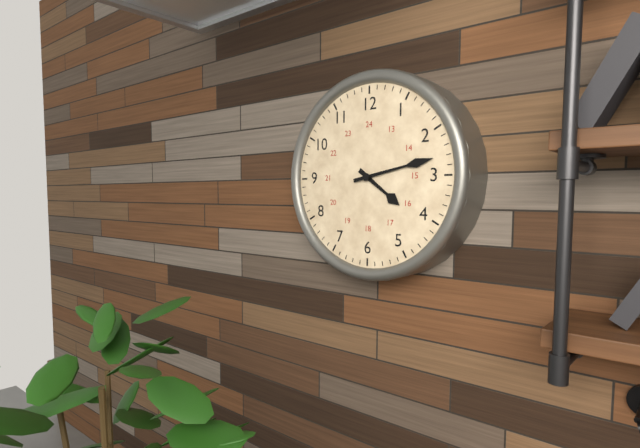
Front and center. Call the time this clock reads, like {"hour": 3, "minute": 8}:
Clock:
{"hour": 4, "minute": 13}
